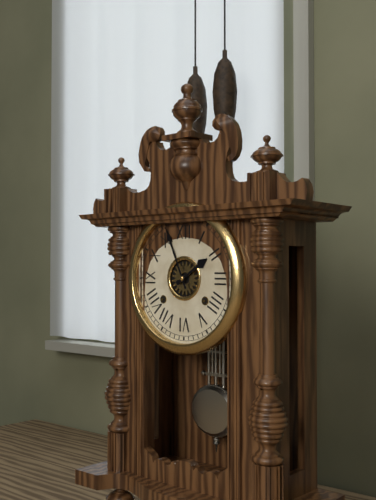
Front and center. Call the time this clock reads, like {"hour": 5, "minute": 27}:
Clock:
{"hour": 1, "minute": 56}
